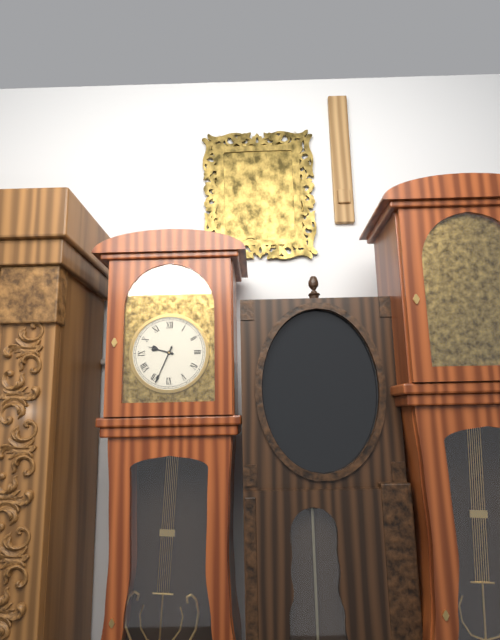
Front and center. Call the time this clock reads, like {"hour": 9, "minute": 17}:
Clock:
{"hour": 9, "minute": 34}
